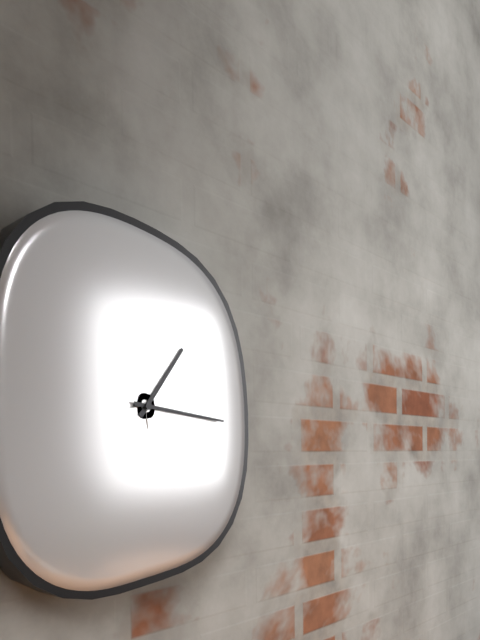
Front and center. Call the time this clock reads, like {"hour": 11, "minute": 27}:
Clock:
{"hour": 1, "minute": 16}
